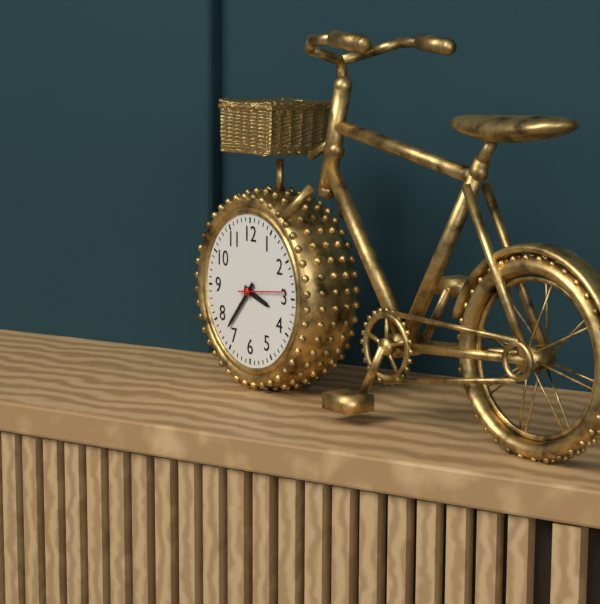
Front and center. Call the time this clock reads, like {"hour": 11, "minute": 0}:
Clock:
{"hour": 3, "minute": 37}
